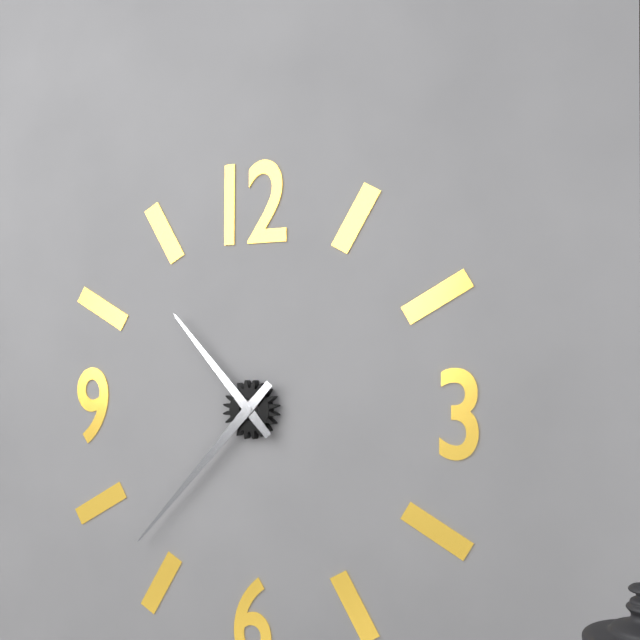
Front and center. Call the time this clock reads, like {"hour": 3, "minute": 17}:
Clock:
{"hour": 10, "minute": 37}
